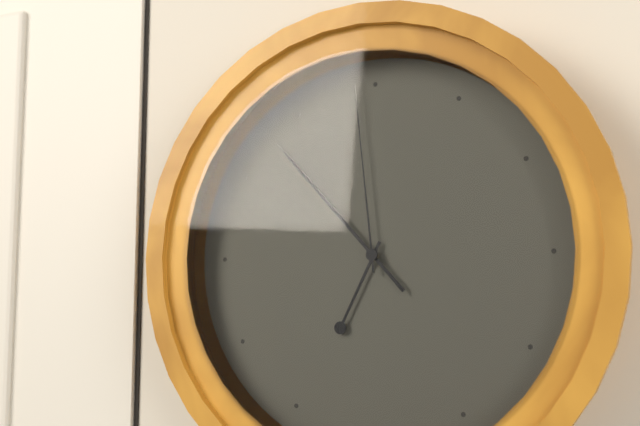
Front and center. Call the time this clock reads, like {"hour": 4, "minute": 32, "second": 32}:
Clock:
{"hour": 6, "minute": 53, "second": 59}
